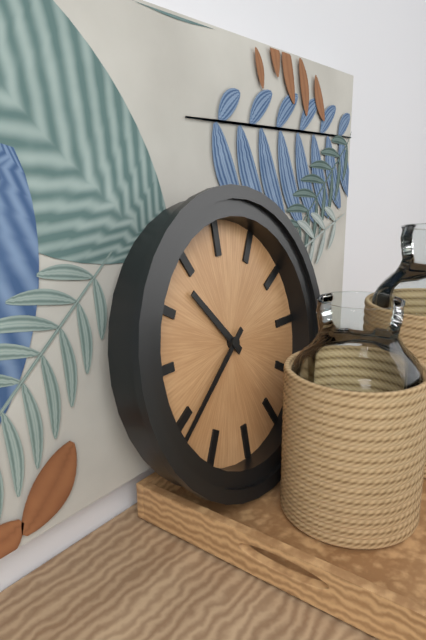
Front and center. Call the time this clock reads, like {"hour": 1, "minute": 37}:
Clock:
{"hour": 10, "minute": 39}
